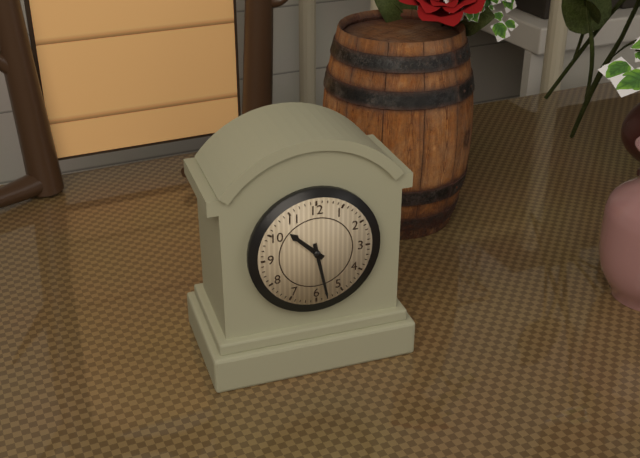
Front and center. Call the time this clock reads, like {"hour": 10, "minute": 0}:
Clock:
{"hour": 10, "minute": 28}
